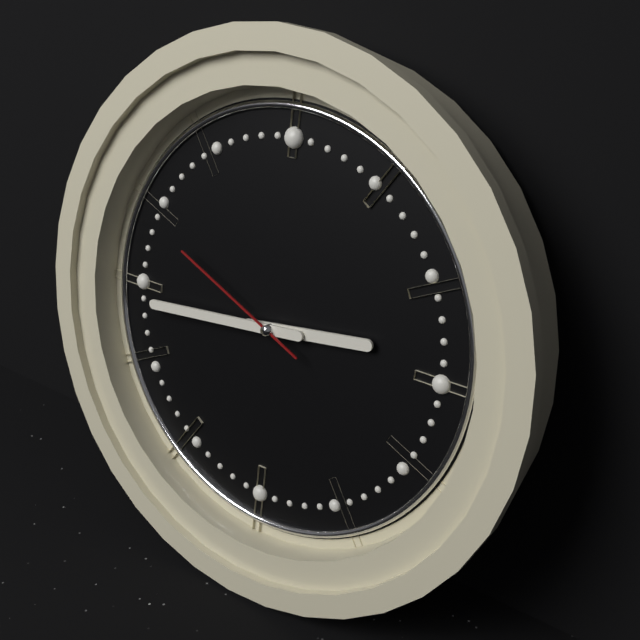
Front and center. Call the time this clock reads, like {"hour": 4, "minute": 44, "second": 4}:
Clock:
{"hour": 2, "minute": 44, "second": 49}
